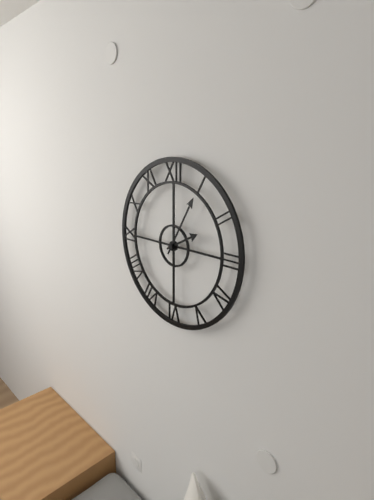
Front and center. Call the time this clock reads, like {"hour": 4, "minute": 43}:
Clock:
{"hour": 2, "minute": 5}
